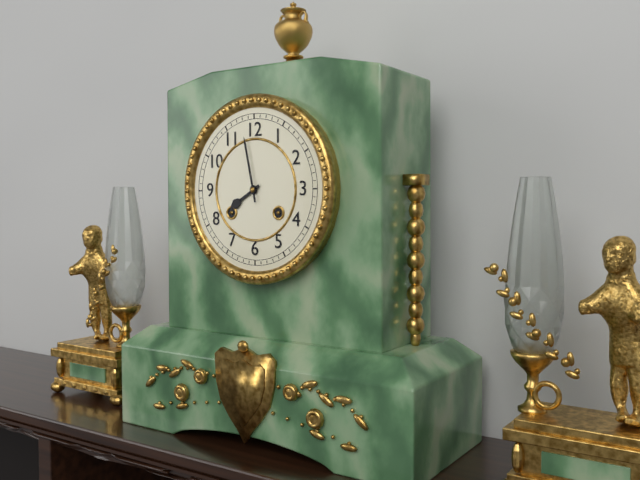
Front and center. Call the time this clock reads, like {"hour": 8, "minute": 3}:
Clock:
{"hour": 7, "minute": 58}
